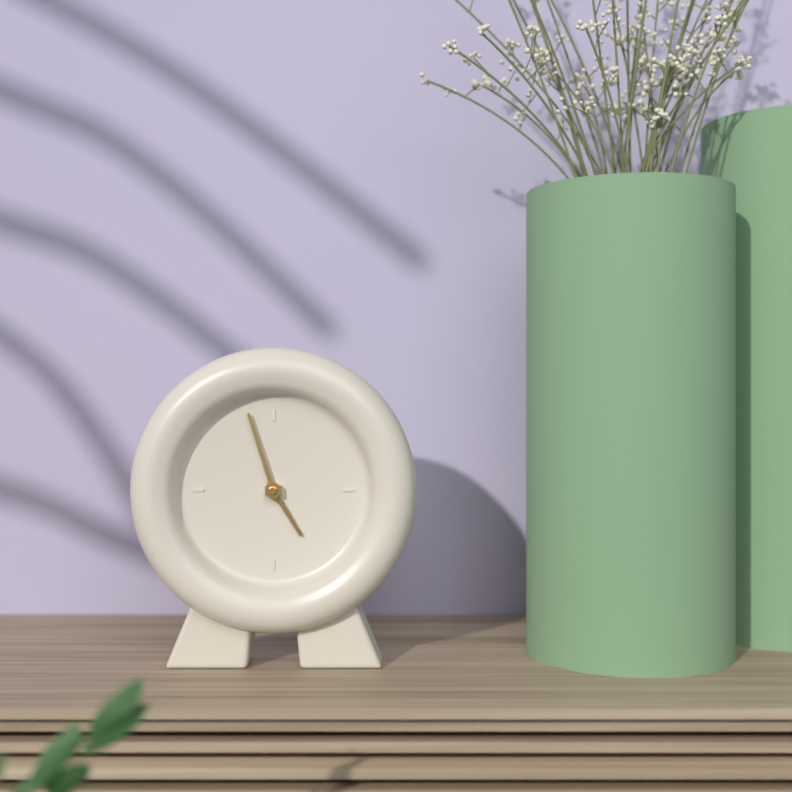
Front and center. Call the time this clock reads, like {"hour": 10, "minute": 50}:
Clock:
{"hour": 4, "minute": 57}
